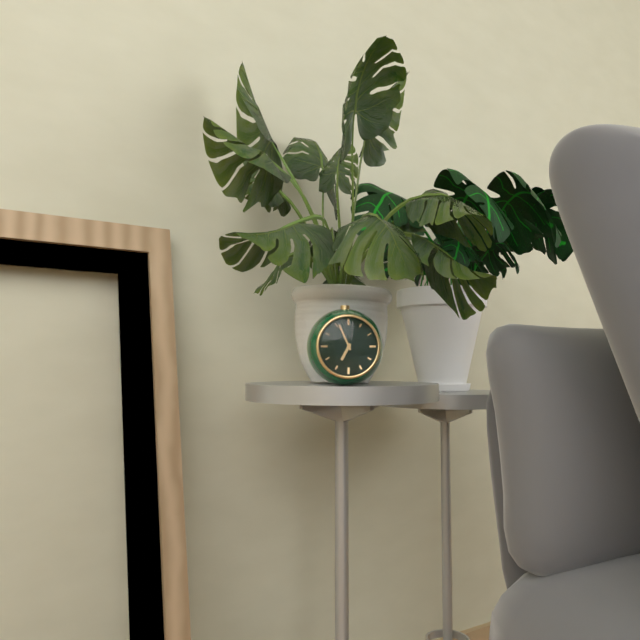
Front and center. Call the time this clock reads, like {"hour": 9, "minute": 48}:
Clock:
{"hour": 6, "minute": 56}
